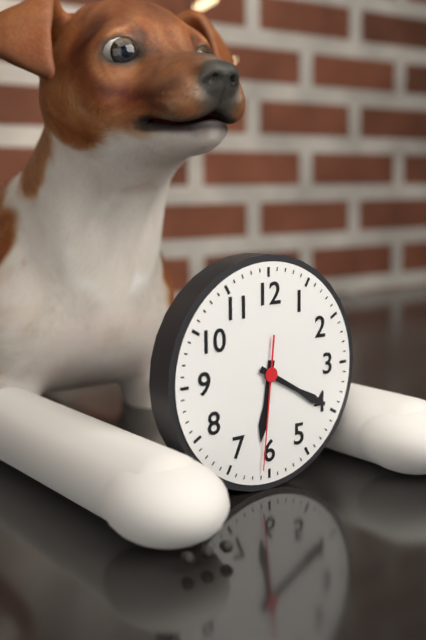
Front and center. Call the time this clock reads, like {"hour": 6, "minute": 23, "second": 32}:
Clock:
{"hour": 6, "minute": 20, "second": 31}
